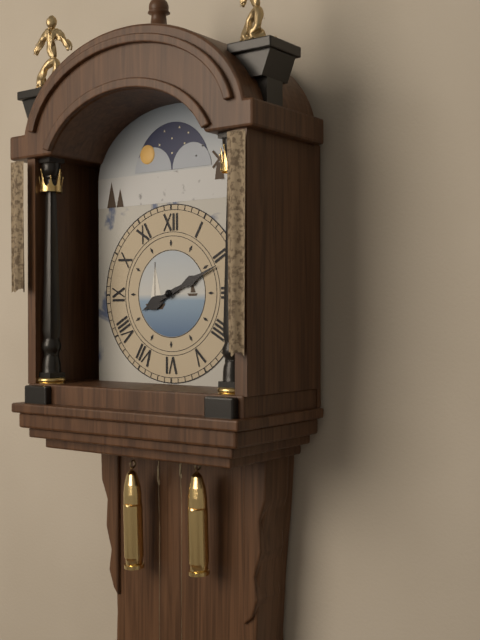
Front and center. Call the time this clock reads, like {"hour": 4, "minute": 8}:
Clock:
{"hour": 8, "minute": 11}
